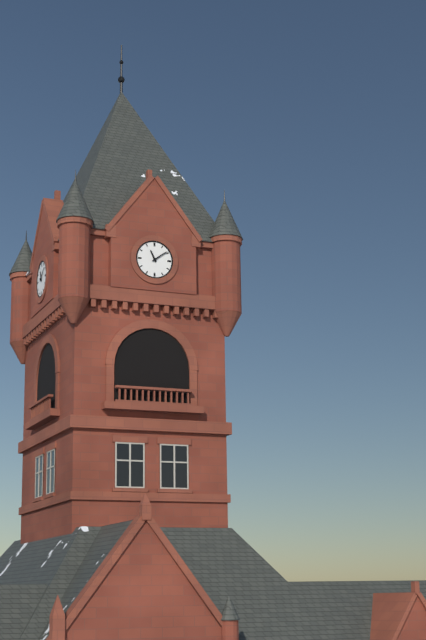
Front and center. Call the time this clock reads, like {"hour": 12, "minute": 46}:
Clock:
{"hour": 11, "minute": 9}
